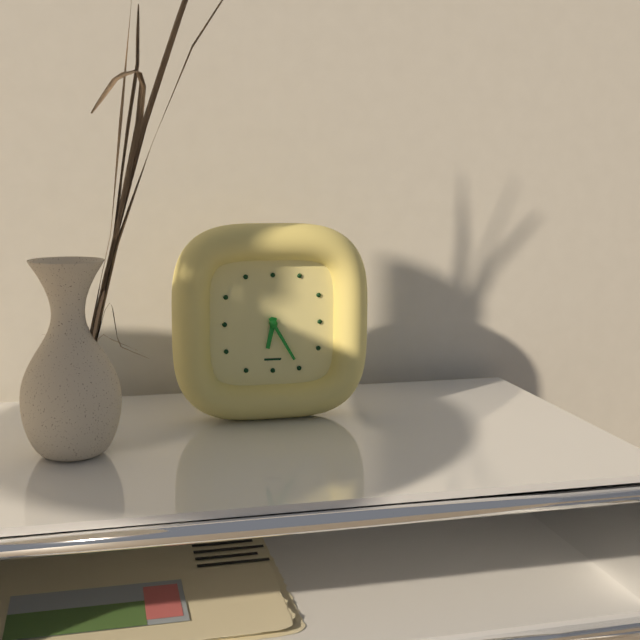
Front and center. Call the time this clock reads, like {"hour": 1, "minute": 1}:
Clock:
{"hour": 6, "minute": 25}
